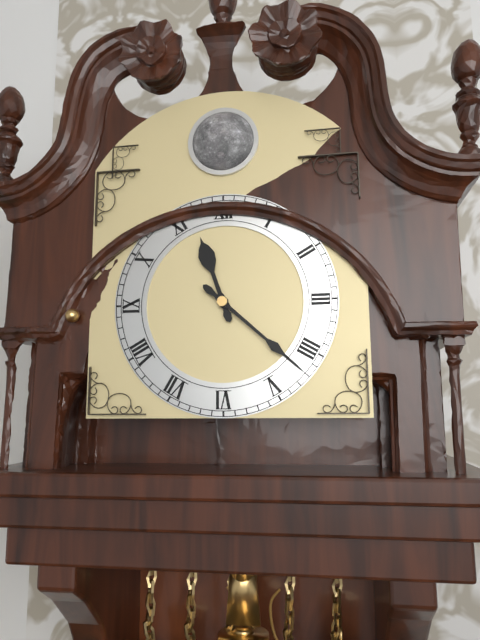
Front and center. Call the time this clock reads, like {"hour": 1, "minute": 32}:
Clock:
{"hour": 11, "minute": 22}
